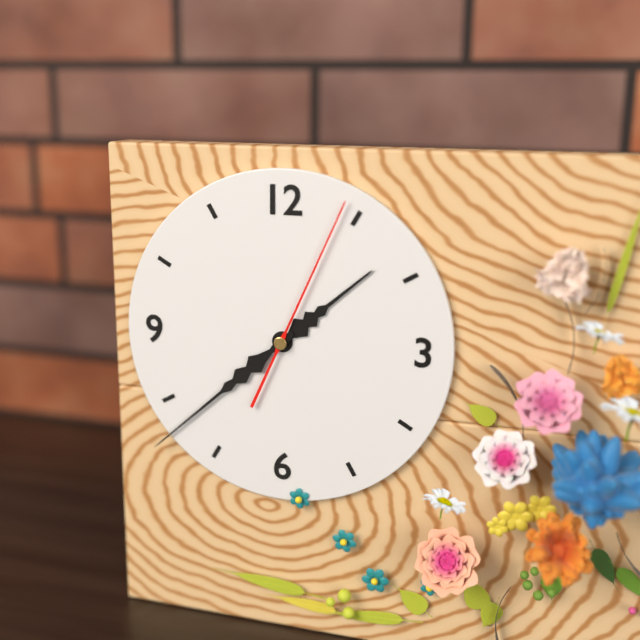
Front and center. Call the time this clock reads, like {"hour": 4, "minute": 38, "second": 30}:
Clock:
{"hour": 1, "minute": 38, "second": 4}
